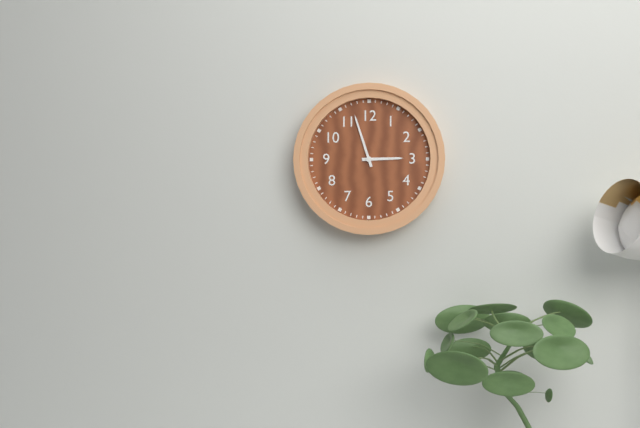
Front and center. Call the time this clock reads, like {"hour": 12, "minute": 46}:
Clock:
{"hour": 2, "minute": 57}
